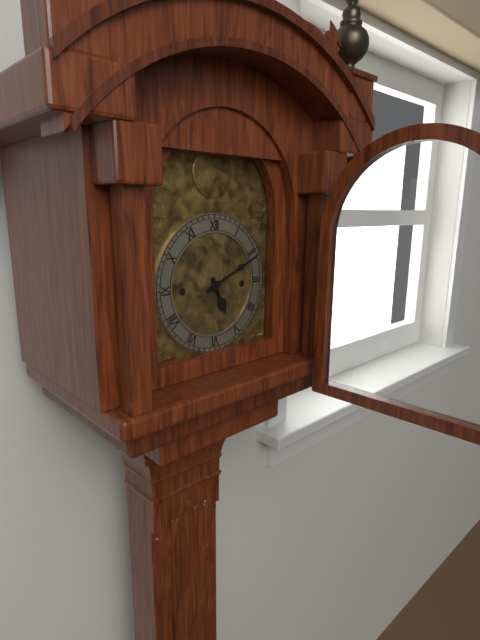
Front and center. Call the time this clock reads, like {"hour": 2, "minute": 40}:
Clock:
{"hour": 5, "minute": 11}
